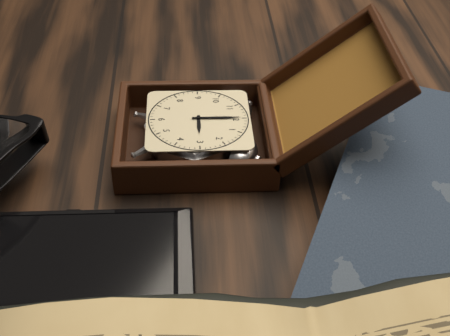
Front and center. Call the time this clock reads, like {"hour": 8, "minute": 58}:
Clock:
{"hour": 3, "minute": 0}
